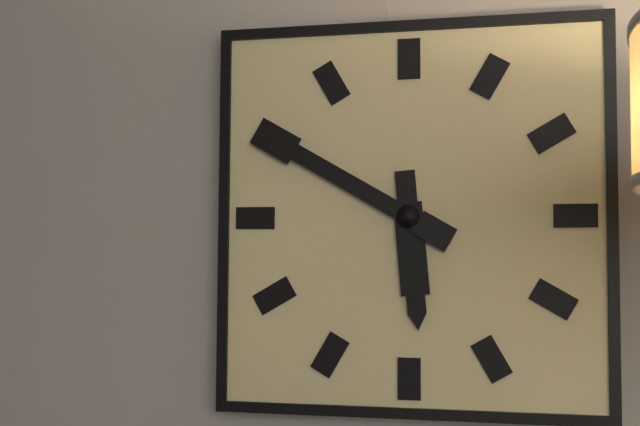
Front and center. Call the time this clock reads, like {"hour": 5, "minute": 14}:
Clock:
{"hour": 5, "minute": 50}
